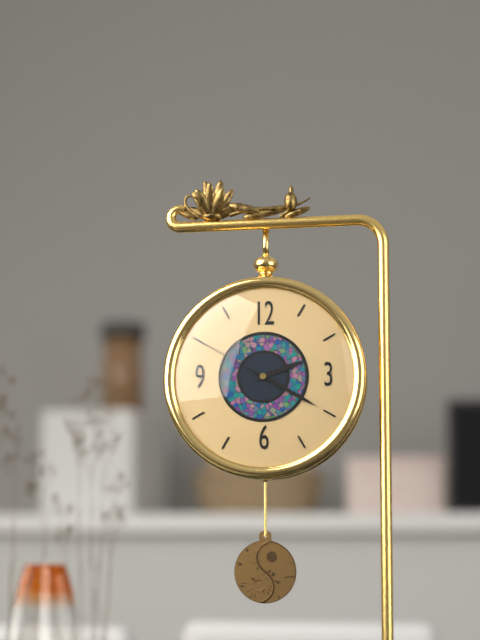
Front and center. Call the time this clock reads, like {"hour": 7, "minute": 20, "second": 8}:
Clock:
{"hour": 2, "minute": 20, "second": 50}
